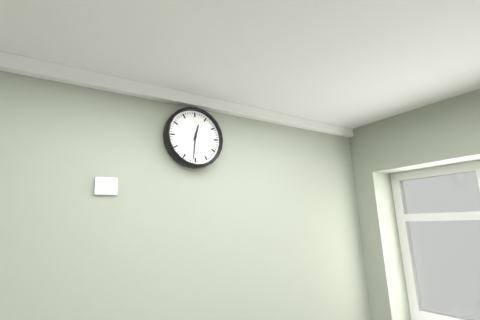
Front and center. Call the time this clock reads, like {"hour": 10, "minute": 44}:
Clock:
{"hour": 12, "minute": 31}
